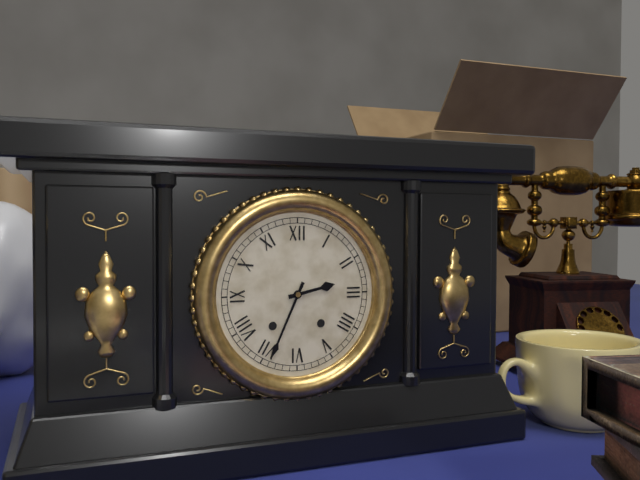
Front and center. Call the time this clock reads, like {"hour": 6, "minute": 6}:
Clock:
{"hour": 2, "minute": 34}
